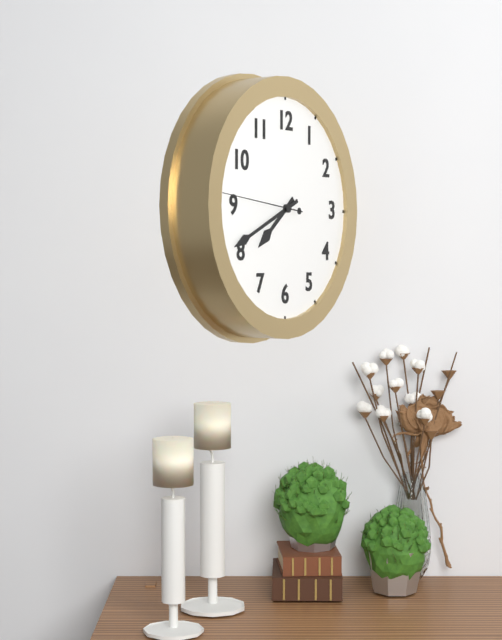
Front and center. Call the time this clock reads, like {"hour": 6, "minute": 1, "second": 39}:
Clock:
{"hour": 7, "minute": 41, "second": 46}
